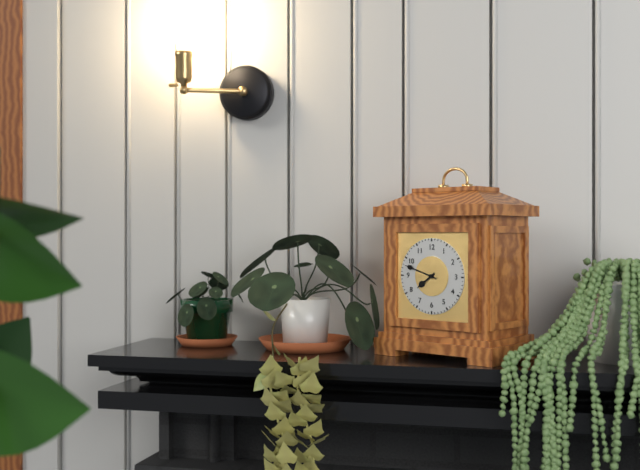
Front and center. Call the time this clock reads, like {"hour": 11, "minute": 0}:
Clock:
{"hour": 7, "minute": 48}
